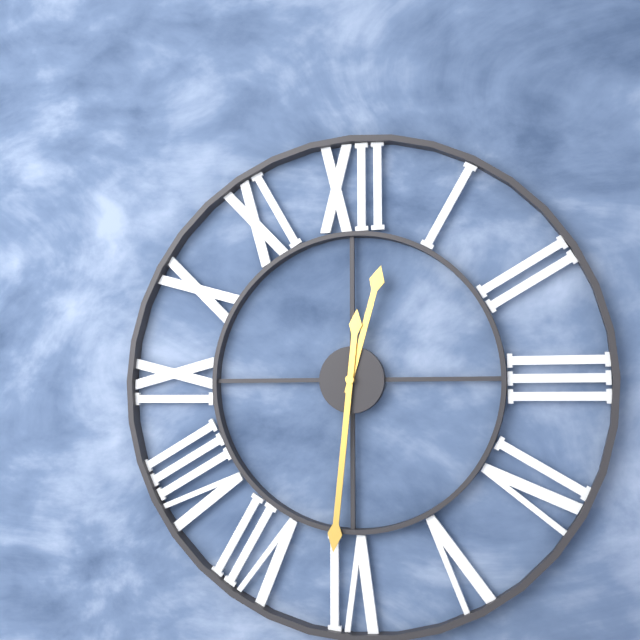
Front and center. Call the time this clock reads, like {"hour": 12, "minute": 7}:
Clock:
{"hour": 12, "minute": 31}
